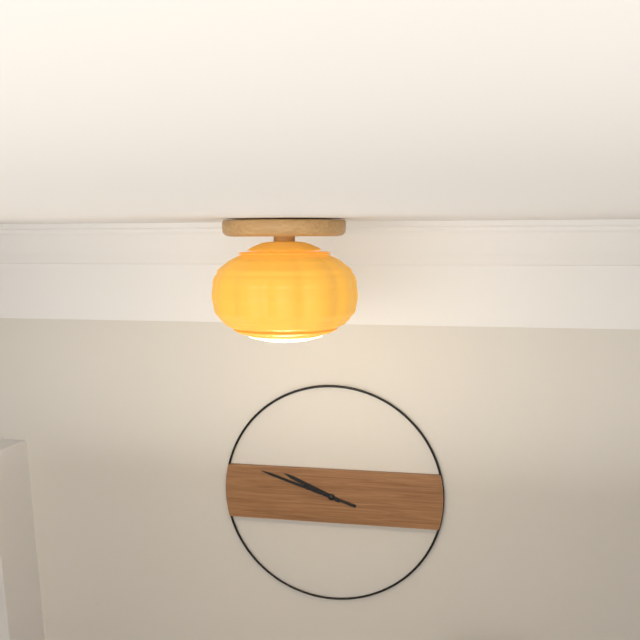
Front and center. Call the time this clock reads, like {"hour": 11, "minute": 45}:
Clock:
{"hour": 9, "minute": 48}
